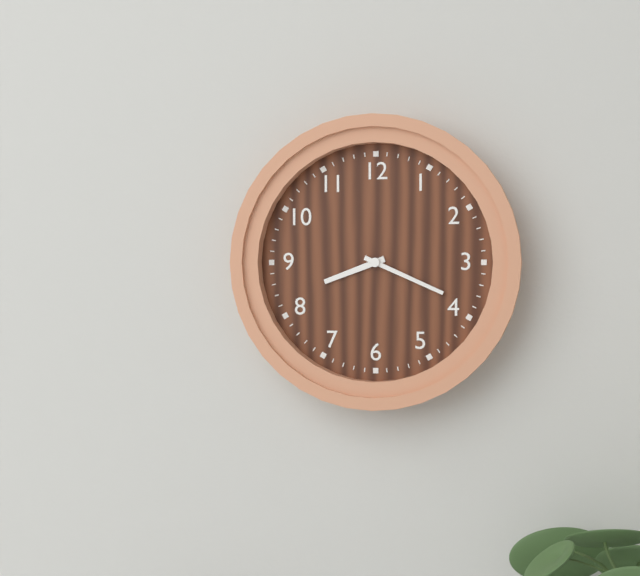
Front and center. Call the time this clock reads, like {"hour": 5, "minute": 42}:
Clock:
{"hour": 8, "minute": 19}
